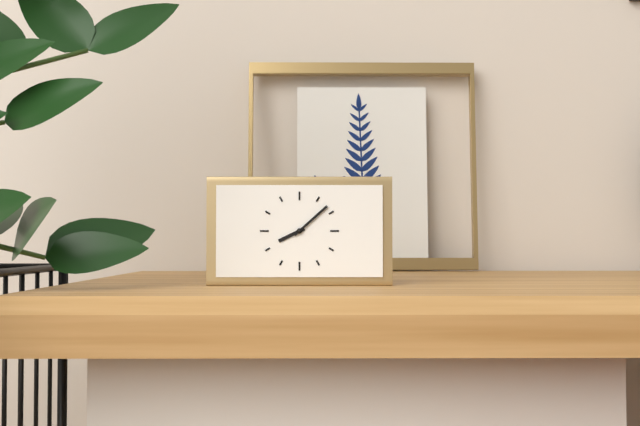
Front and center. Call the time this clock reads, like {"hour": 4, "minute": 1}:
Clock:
{"hour": 8, "minute": 8}
